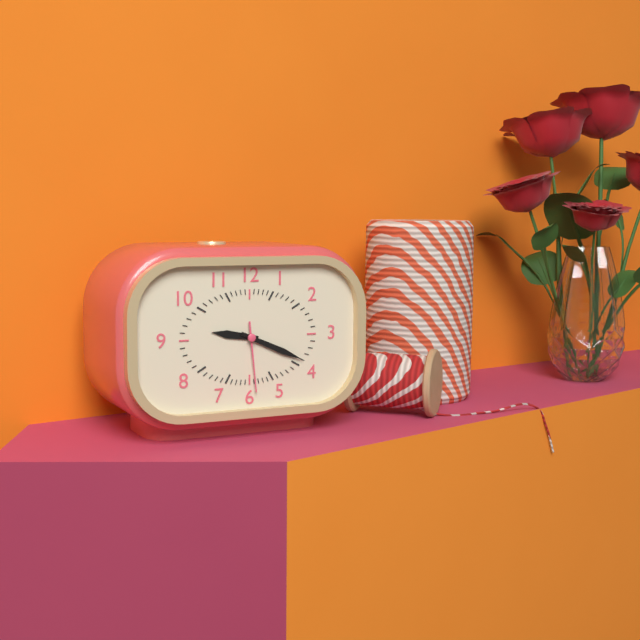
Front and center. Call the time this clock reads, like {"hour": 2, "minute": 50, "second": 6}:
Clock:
{"hour": 9, "minute": 19, "second": 29}
